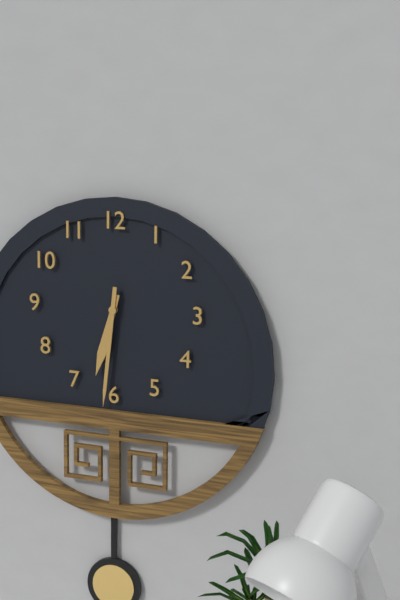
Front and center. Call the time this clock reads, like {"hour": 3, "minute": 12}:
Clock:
{"hour": 6, "minute": 31}
